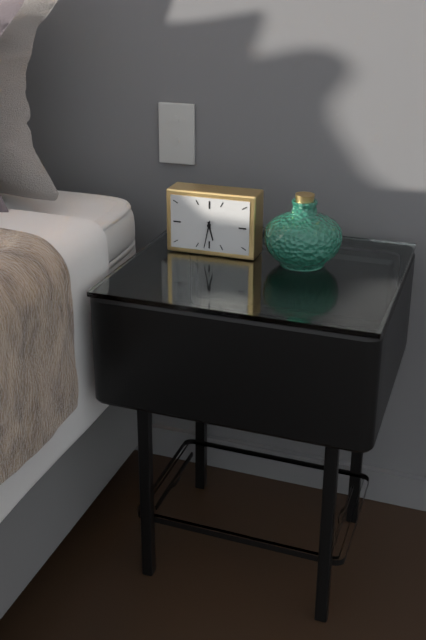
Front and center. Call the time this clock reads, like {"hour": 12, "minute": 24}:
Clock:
{"hour": 5, "minute": 32}
